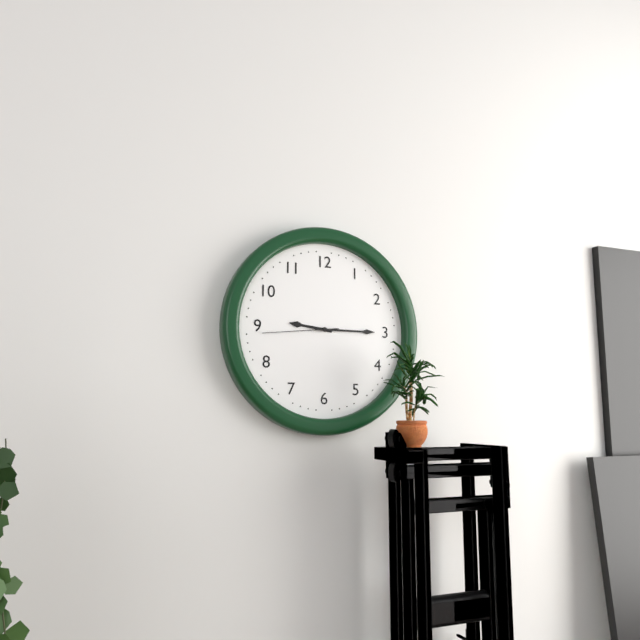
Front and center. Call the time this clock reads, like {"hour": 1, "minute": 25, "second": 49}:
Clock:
{"hour": 9, "minute": 15, "second": 44}
